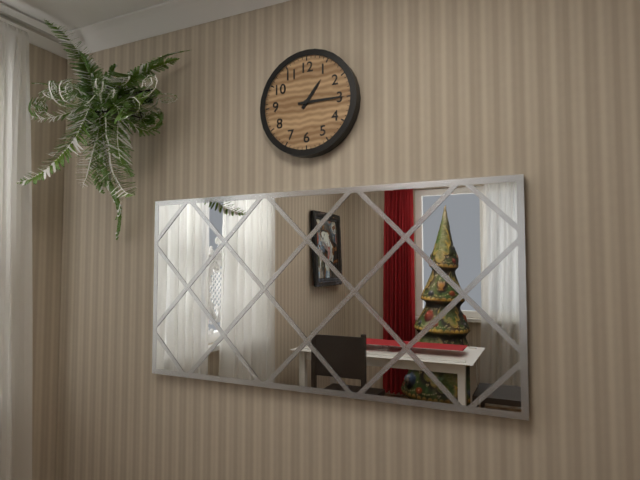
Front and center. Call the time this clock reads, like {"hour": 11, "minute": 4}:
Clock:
{"hour": 1, "minute": 15}
